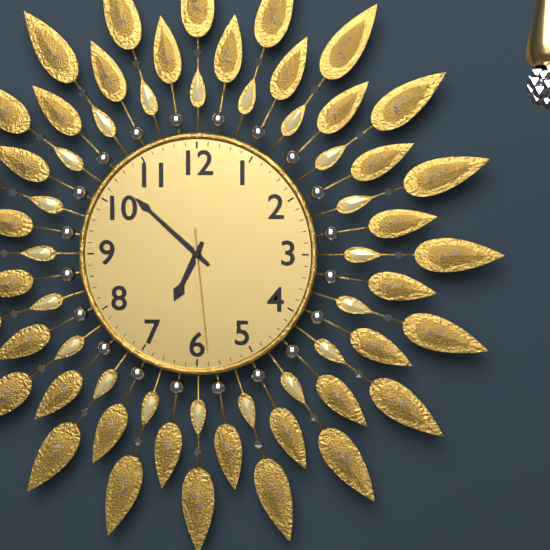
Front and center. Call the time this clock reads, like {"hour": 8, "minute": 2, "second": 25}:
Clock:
{"hour": 6, "minute": 52, "second": 29}
